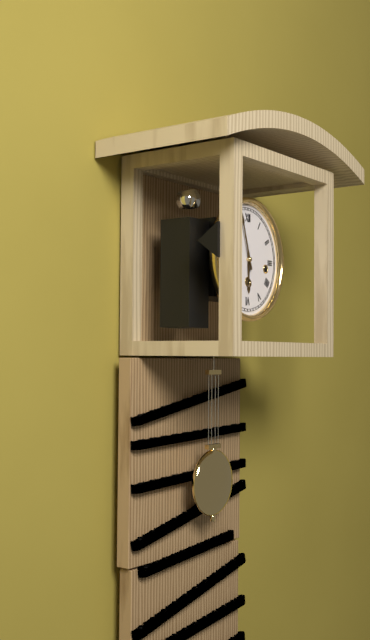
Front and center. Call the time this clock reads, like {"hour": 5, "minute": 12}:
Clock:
{"hour": 5, "minute": 57}
